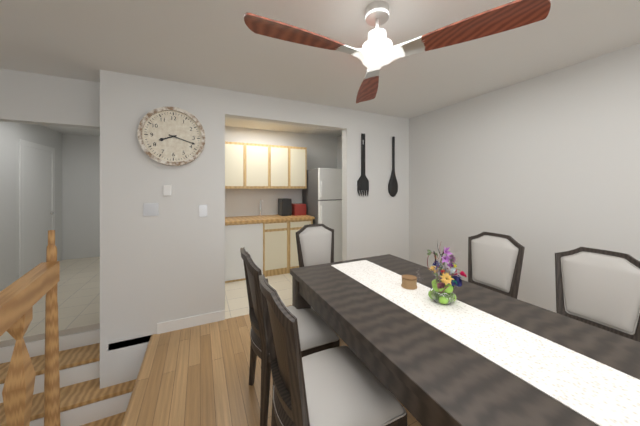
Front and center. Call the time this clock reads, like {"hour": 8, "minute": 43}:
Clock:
{"hour": 8, "minute": 18}
